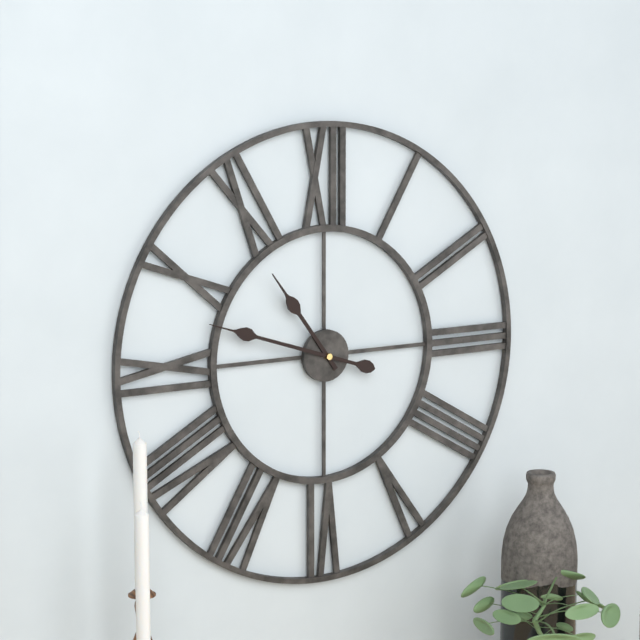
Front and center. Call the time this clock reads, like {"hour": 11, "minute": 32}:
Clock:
{"hour": 10, "minute": 48}
